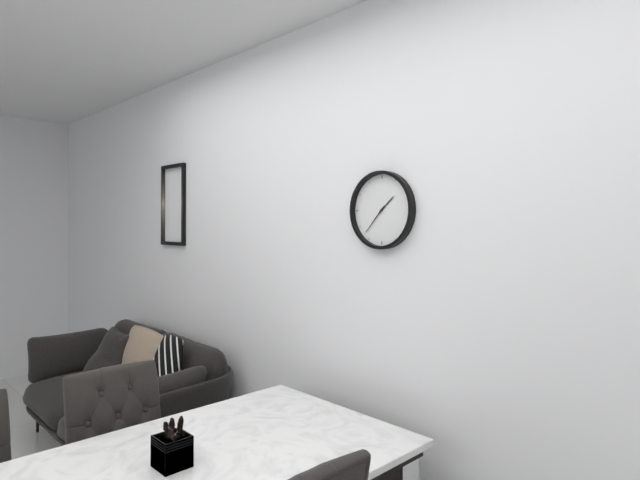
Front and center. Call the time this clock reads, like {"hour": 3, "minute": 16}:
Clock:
{"hour": 1, "minute": 37}
